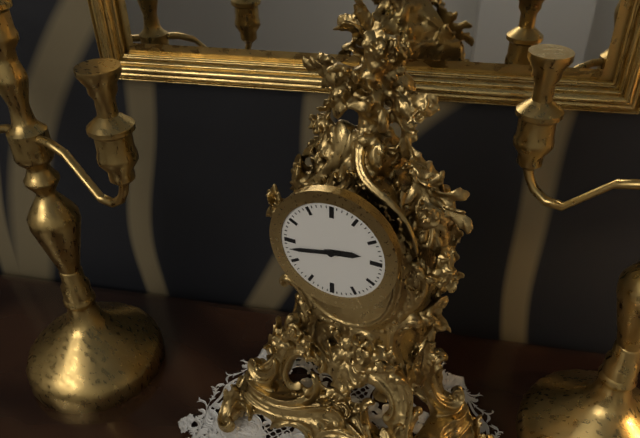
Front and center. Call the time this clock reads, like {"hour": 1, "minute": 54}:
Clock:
{"hour": 2, "minute": 43}
